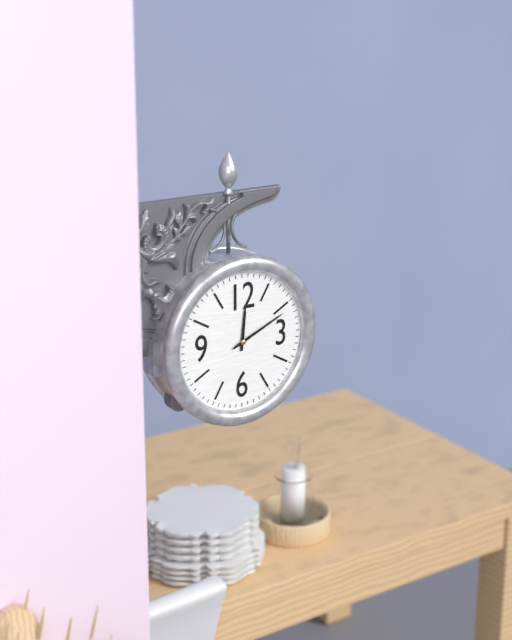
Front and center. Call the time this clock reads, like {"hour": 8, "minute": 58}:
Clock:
{"hour": 12, "minute": 11}
